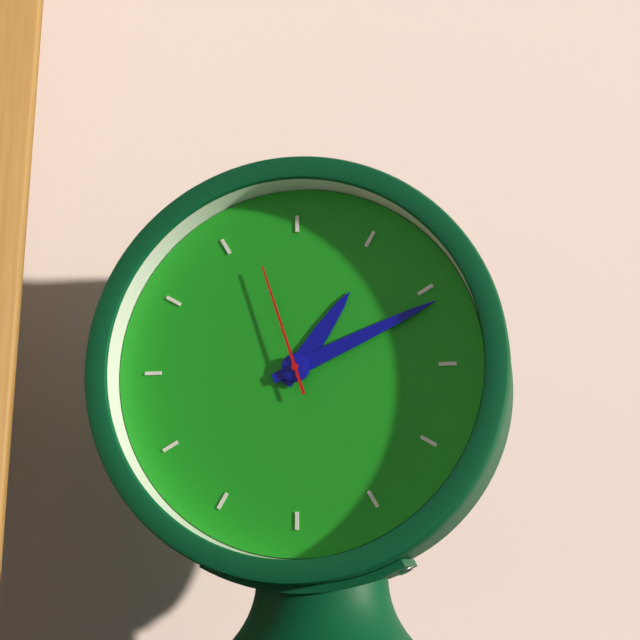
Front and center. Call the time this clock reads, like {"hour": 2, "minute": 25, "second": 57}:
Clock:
{"hour": 1, "minute": 11, "second": 57}
